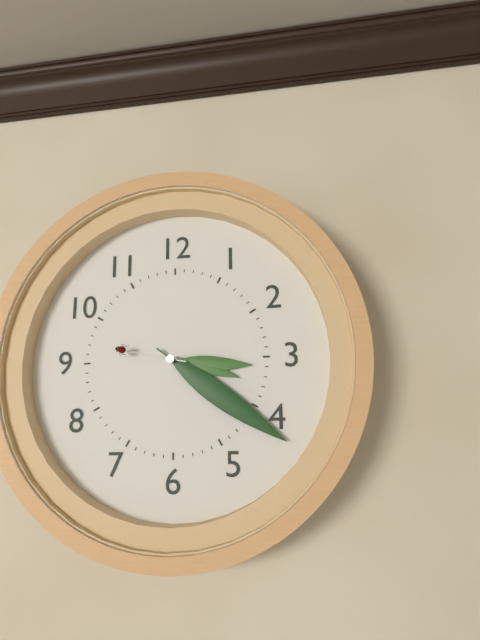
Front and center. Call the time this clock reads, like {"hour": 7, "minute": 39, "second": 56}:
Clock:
{"hour": 3, "minute": 21, "second": 47}
